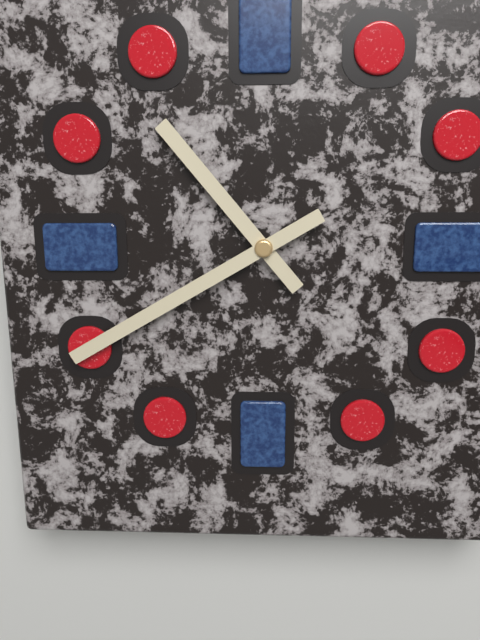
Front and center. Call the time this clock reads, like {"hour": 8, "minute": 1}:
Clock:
{"hour": 10, "minute": 40}
